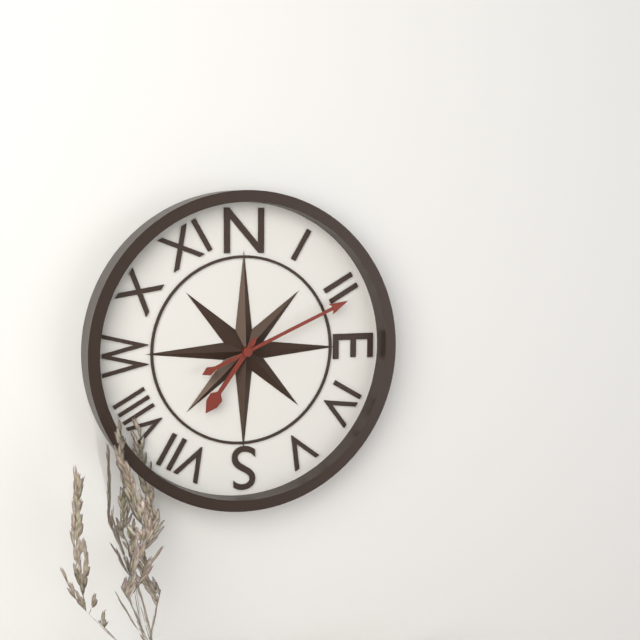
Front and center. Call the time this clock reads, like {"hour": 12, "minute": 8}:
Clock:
{"hour": 7, "minute": 11}
